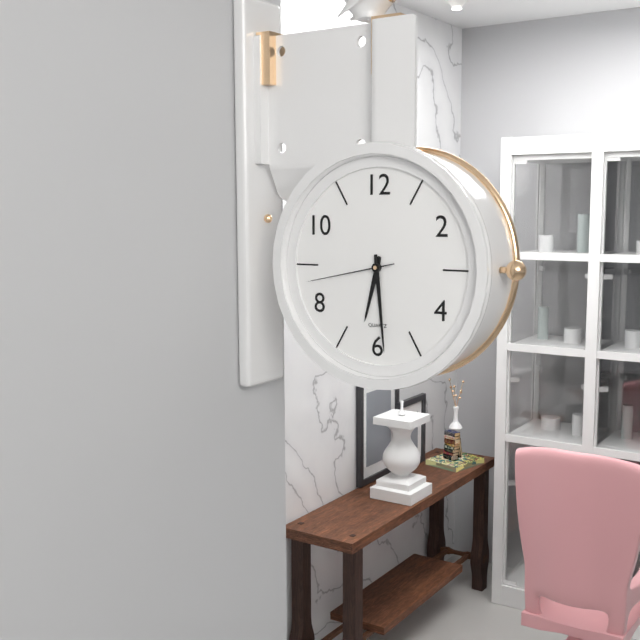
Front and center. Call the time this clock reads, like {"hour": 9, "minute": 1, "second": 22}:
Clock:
{"hour": 6, "minute": 29, "second": 43}
